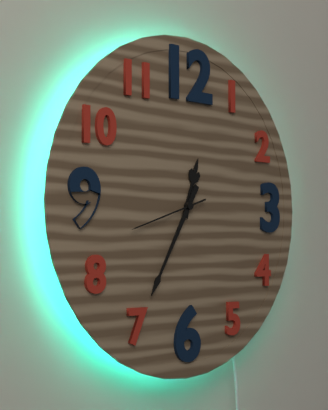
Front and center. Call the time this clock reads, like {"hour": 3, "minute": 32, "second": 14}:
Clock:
{"hour": 12, "minute": 35, "second": 42}
